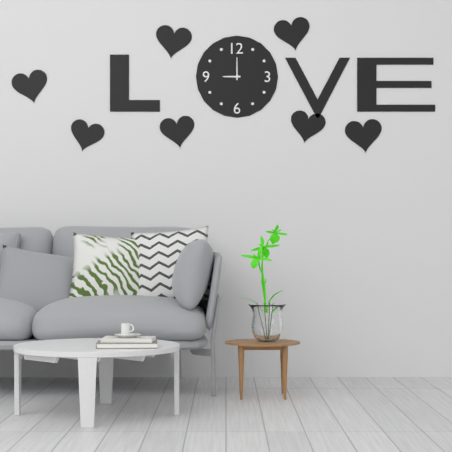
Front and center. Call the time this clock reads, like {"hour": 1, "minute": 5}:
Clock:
{"hour": 9, "minute": 0}
